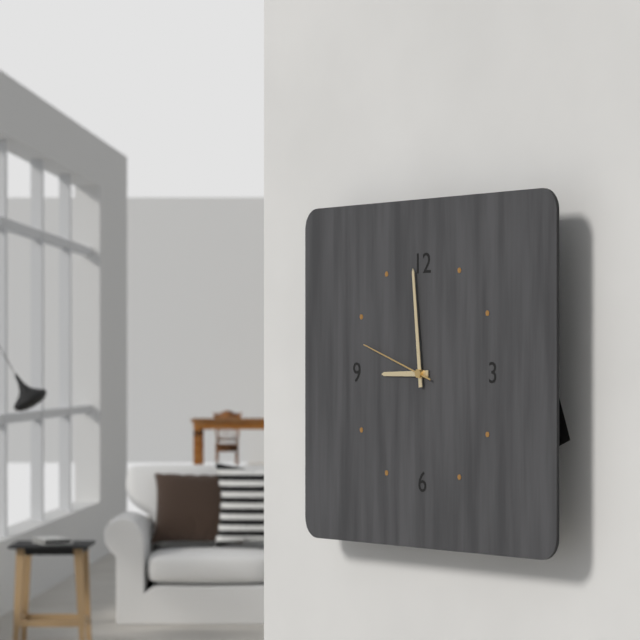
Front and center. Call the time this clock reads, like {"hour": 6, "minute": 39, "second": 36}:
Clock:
{"hour": 8, "minute": 59, "second": 48}
